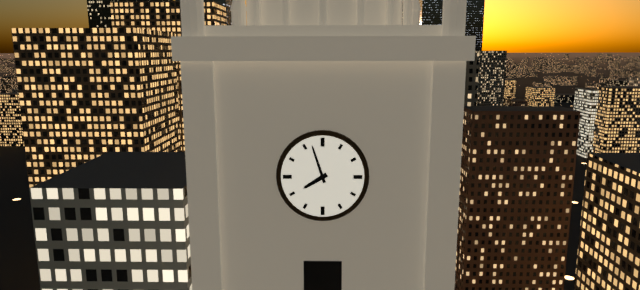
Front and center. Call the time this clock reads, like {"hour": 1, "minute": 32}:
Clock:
{"hour": 7, "minute": 57}
